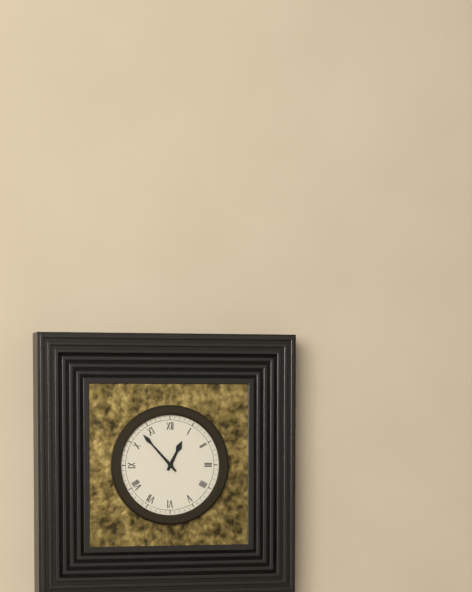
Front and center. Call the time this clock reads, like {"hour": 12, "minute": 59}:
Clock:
{"hour": 12, "minute": 53}
